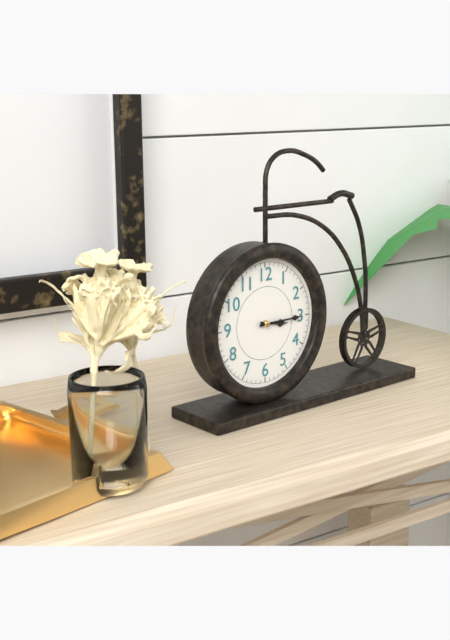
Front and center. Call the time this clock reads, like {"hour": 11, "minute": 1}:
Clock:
{"hour": 3, "minute": 15}
